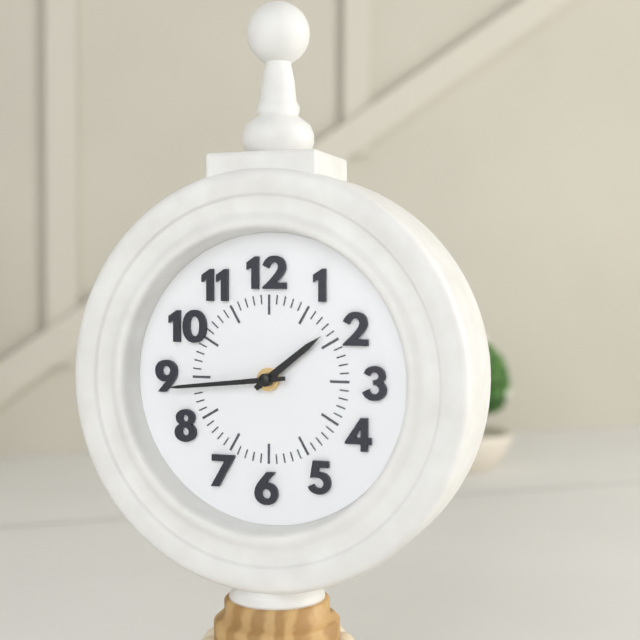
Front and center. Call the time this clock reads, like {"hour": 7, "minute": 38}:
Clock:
{"hour": 1, "minute": 44}
